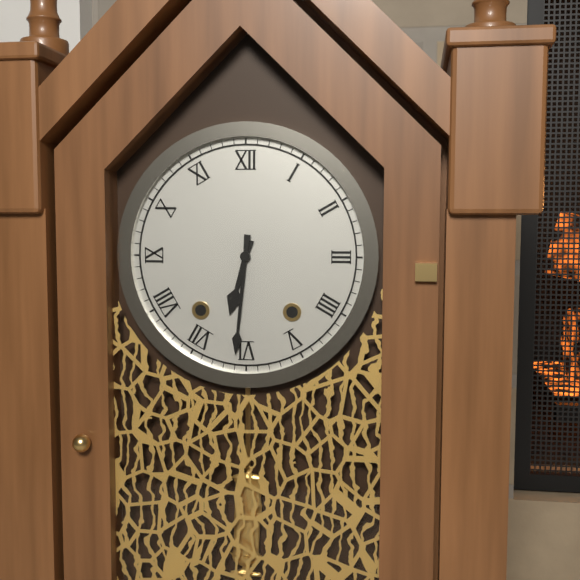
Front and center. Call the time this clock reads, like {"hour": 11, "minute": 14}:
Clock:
{"hour": 6, "minute": 31}
